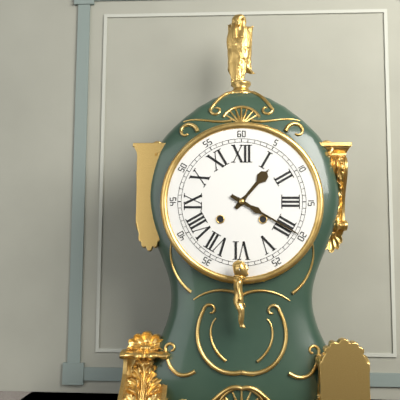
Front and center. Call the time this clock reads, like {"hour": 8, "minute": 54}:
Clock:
{"hour": 1, "minute": 20}
